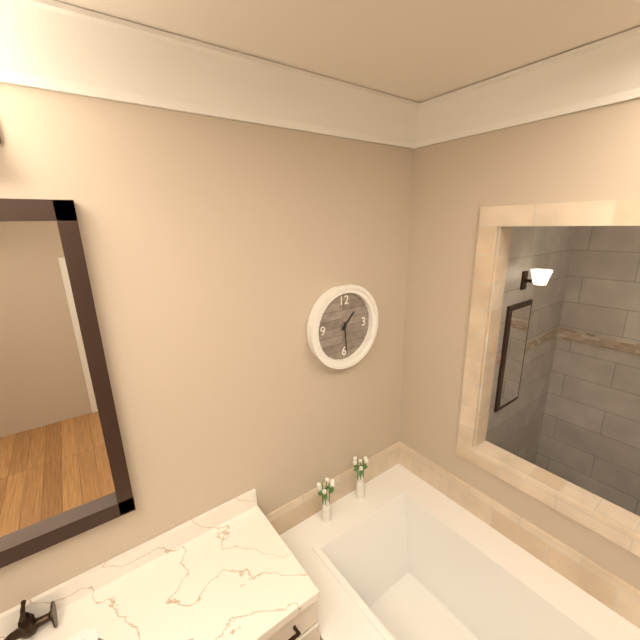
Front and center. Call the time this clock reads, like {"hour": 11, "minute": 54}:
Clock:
{"hour": 1, "minute": 29}
